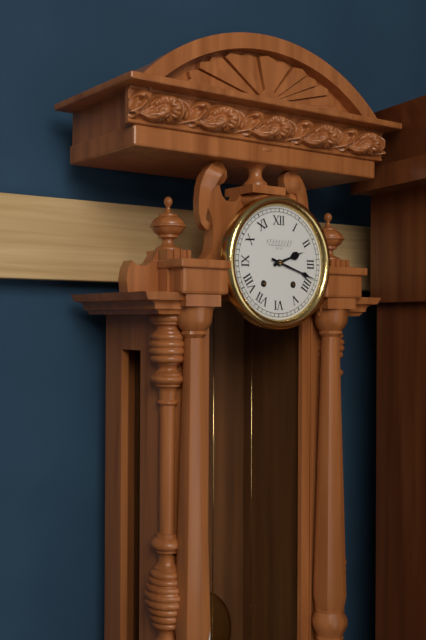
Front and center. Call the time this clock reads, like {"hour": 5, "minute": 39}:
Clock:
{"hour": 2, "minute": 18}
